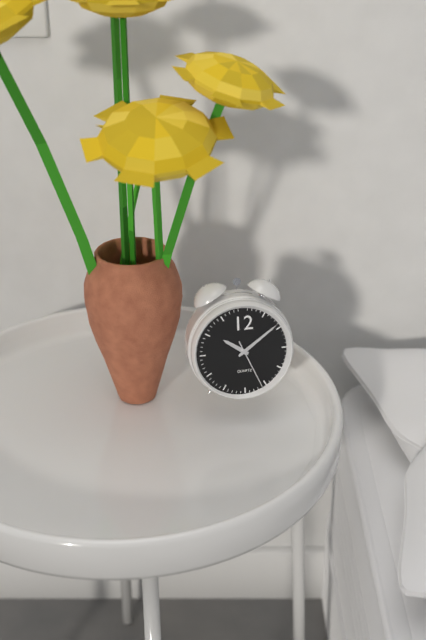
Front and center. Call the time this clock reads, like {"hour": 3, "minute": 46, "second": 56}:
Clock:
{"hour": 10, "minute": 9, "second": 26}
